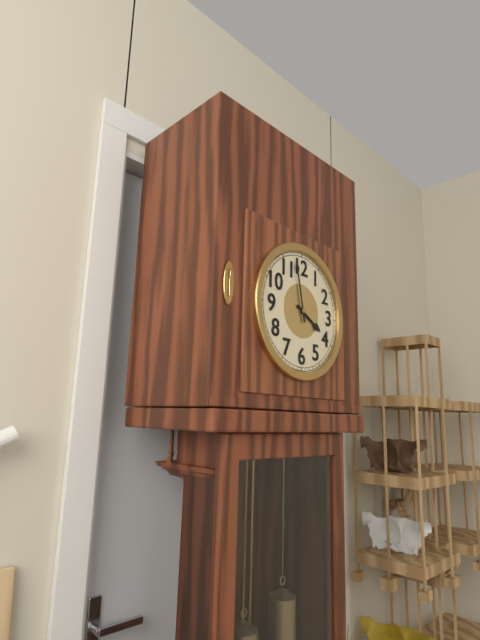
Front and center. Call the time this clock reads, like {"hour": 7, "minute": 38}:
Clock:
{"hour": 3, "minute": 58}
